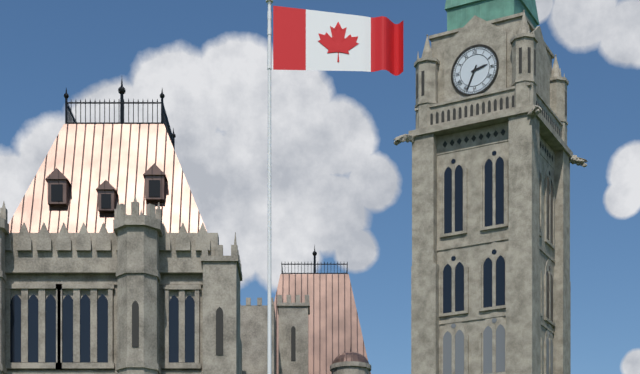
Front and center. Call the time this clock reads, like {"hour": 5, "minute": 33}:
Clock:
{"hour": 2, "minute": 34}
